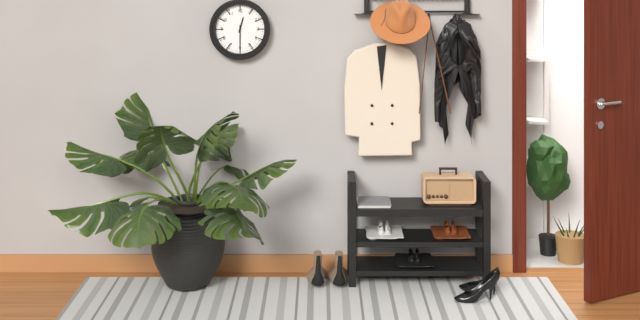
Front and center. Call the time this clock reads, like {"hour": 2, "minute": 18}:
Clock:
{"hour": 12, "minute": 30}
